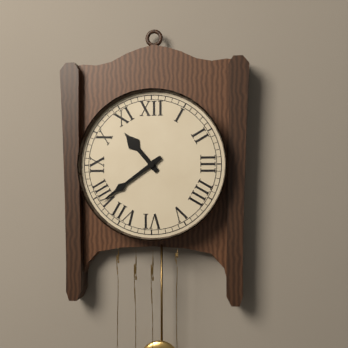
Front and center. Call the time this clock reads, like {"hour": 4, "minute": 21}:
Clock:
{"hour": 10, "minute": 39}
